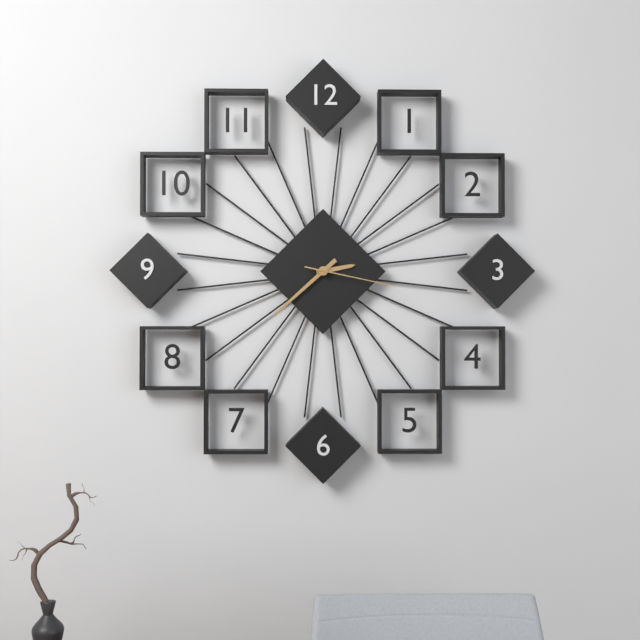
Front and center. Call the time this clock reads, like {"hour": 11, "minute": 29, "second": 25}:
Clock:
{"hour": 2, "minute": 38, "second": 17}
